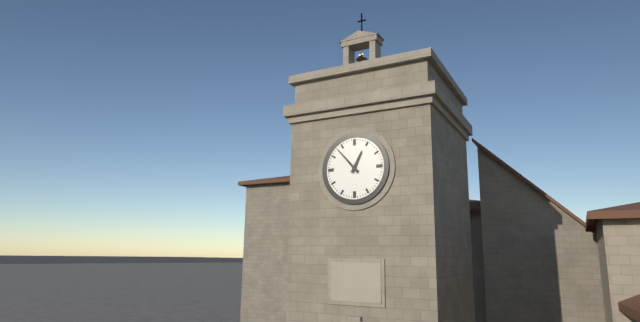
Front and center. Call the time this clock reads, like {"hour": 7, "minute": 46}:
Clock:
{"hour": 12, "minute": 53}
